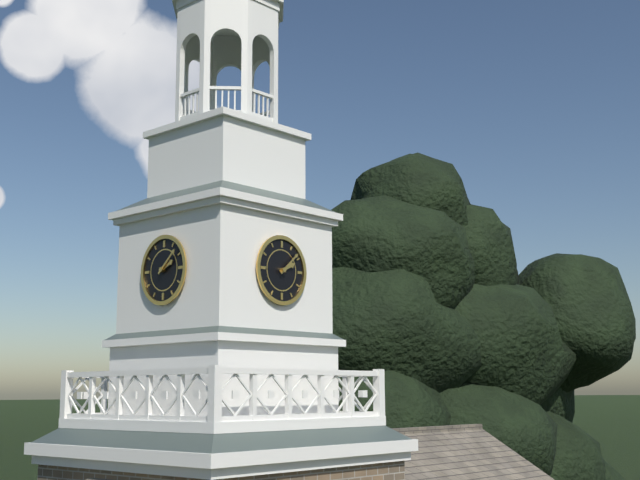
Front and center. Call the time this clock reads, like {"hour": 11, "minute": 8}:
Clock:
{"hour": 2, "minute": 8}
